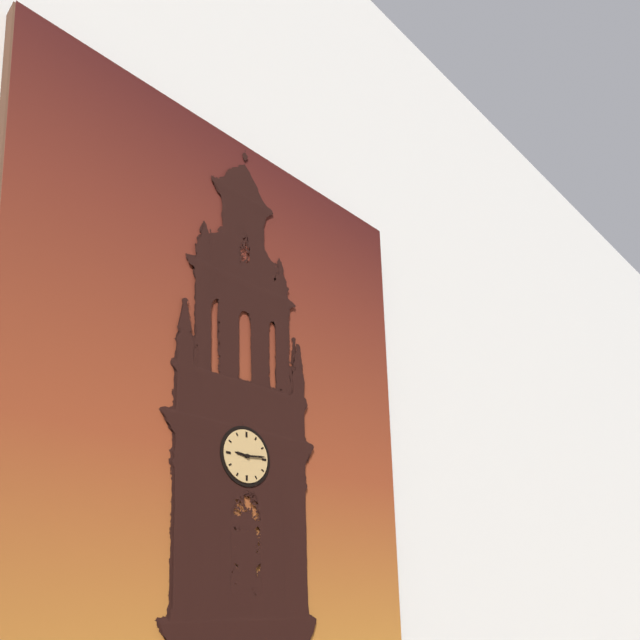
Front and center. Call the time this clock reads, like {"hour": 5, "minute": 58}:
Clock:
{"hour": 9, "minute": 14}
